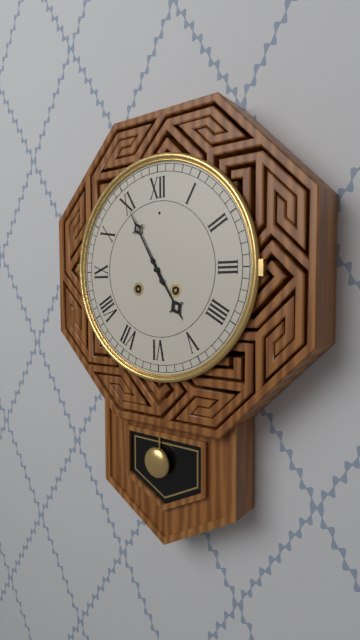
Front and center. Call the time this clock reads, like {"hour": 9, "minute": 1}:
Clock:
{"hour": 4, "minute": 55}
